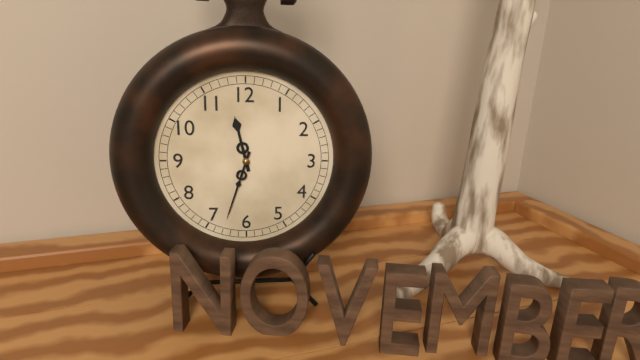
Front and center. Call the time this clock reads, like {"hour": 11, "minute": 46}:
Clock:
{"hour": 11, "minute": 33}
